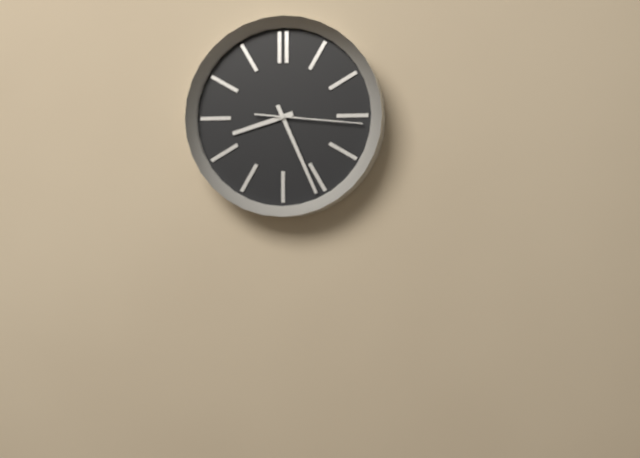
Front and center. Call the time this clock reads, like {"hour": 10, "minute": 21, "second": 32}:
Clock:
{"hour": 8, "minute": 26, "second": 16}
